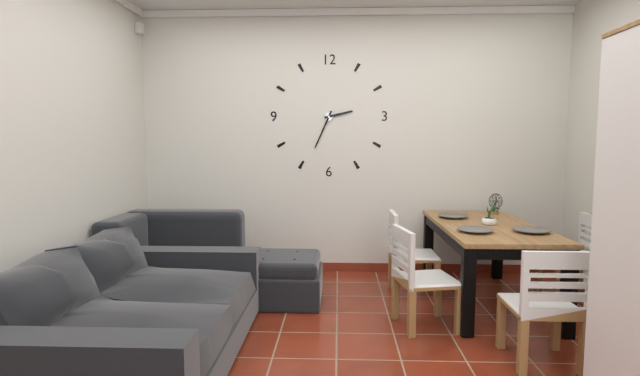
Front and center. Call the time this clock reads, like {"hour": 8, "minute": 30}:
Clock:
{"hour": 2, "minute": 34}
